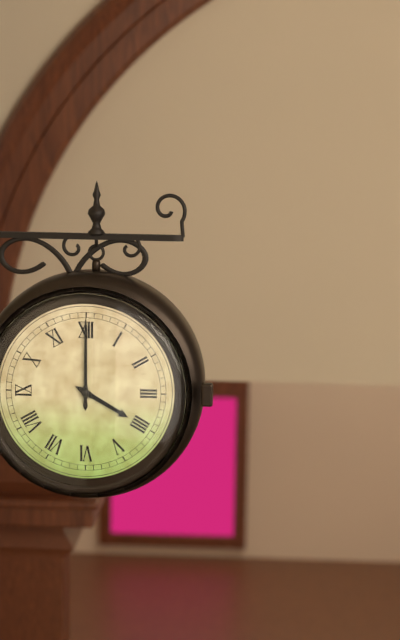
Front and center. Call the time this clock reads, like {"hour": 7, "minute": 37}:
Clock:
{"hour": 4, "minute": 0}
